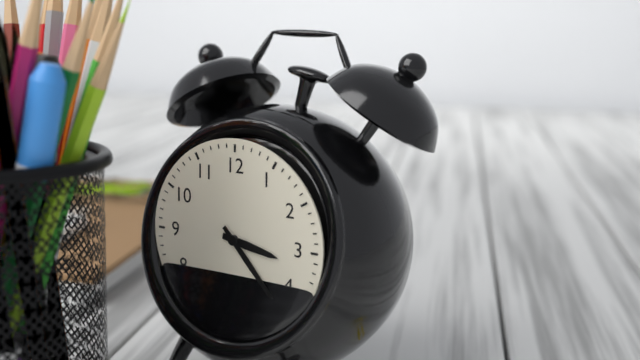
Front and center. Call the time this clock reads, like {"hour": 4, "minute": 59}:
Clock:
{"hour": 3, "minute": 23}
